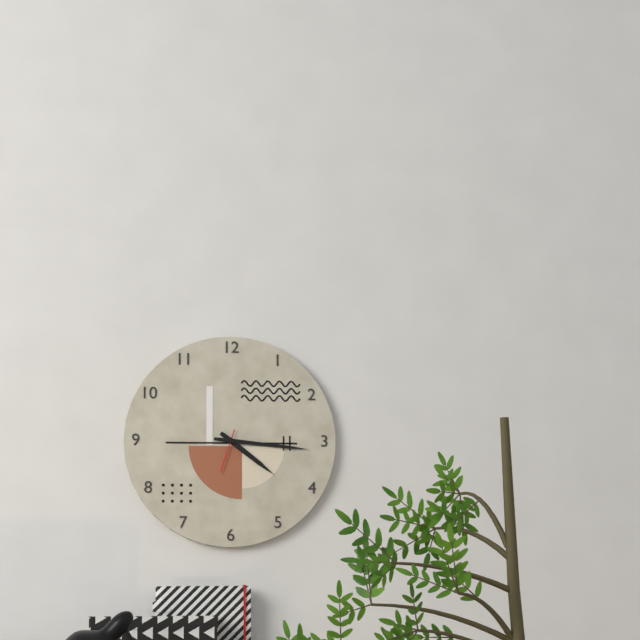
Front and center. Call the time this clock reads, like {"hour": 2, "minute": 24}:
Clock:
{"hour": 4, "minute": 16}
